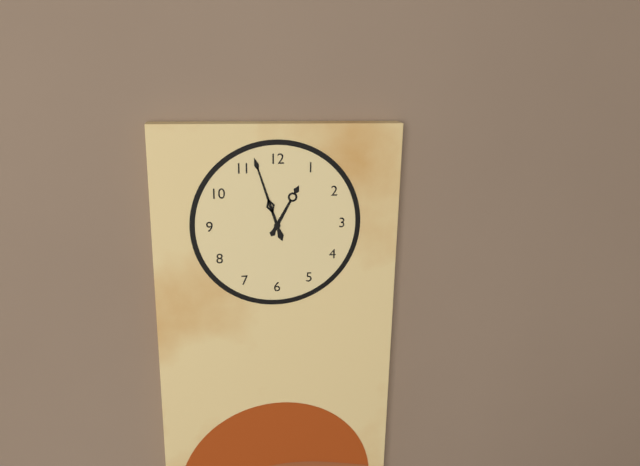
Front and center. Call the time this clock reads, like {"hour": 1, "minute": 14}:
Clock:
{"hour": 12, "minute": 57}
